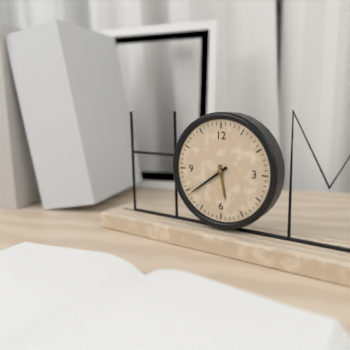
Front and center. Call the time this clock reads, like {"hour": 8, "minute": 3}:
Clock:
{"hour": 5, "minute": 39}
